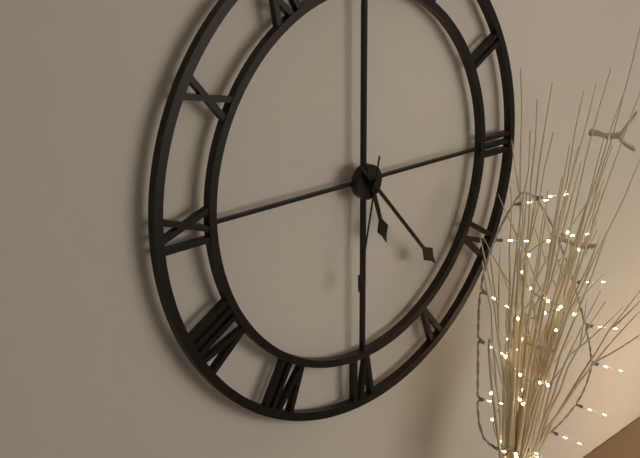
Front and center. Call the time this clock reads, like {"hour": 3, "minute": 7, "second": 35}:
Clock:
{"hour": 5, "minute": 23, "second": 32}
